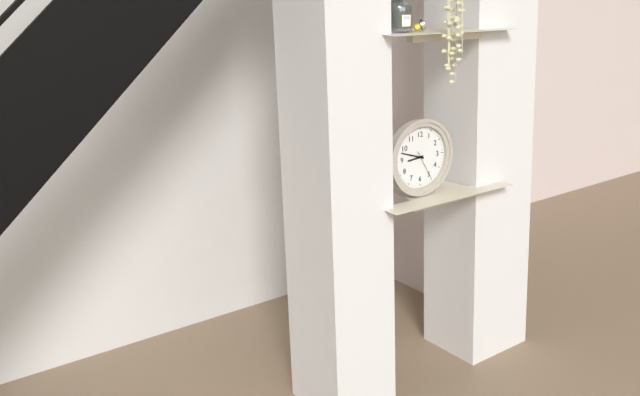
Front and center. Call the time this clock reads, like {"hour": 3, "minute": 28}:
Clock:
{"hour": 8, "minute": 48}
